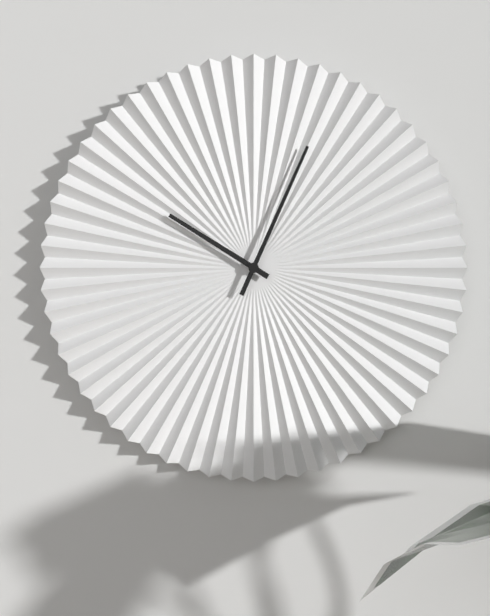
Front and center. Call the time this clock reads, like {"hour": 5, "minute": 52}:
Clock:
{"hour": 10, "minute": 4}
